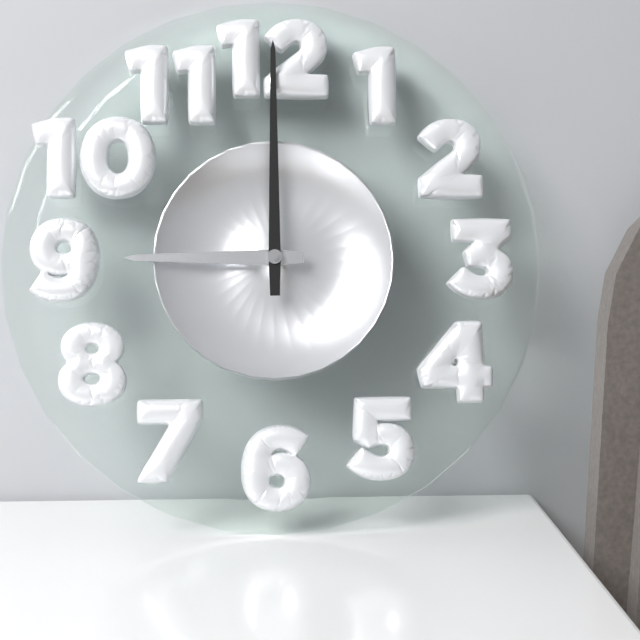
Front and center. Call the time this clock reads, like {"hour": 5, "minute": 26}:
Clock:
{"hour": 9, "minute": 0}
